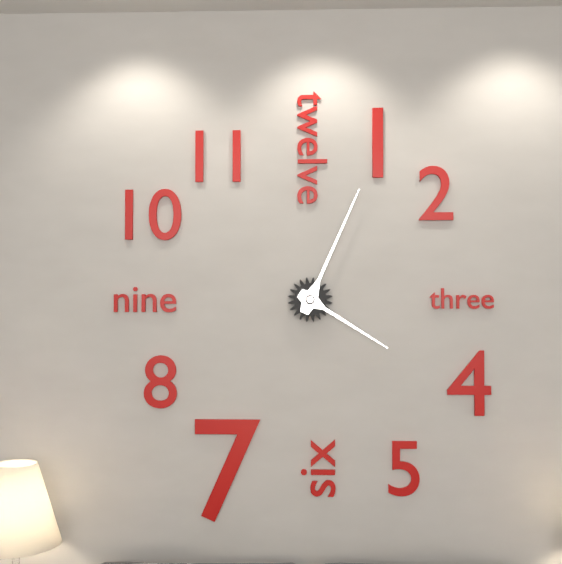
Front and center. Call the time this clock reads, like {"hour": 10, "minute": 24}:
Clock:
{"hour": 4, "minute": 4}
